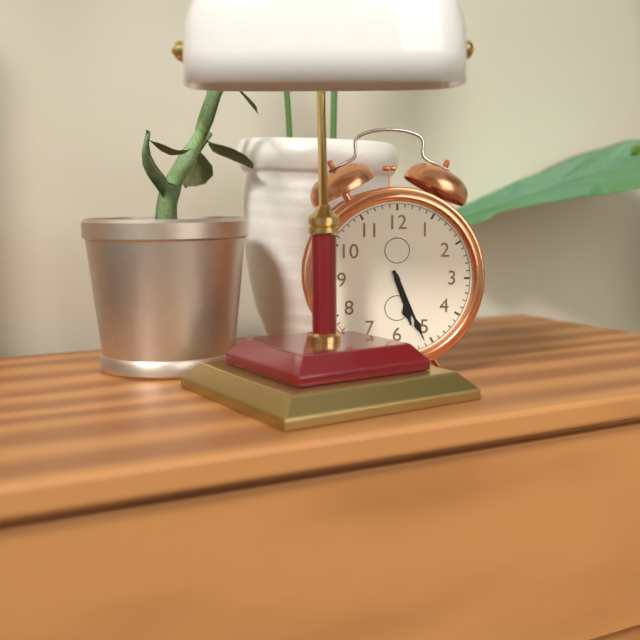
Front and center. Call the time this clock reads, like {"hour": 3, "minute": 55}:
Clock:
{"hour": 5, "minute": 26}
